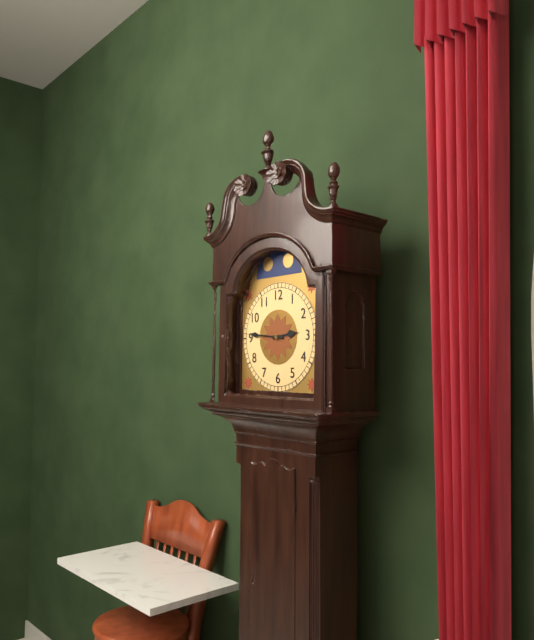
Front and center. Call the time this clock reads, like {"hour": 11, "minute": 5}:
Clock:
{"hour": 2, "minute": 46}
